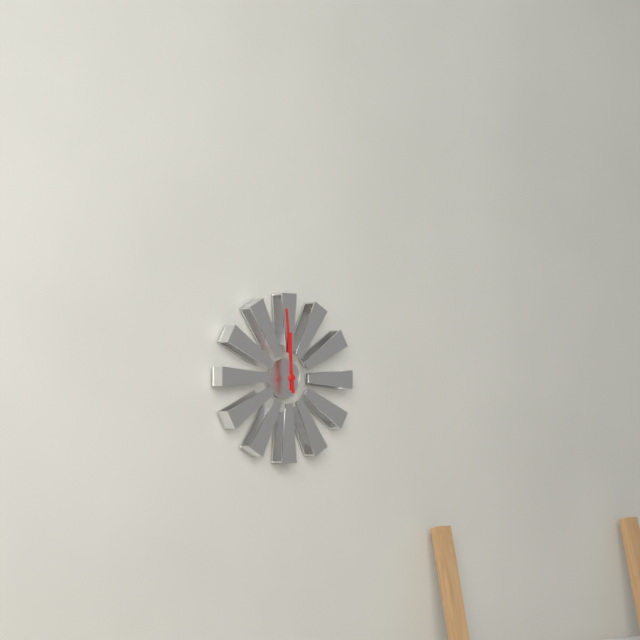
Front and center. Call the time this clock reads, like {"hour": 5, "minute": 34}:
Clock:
{"hour": 11, "minute": 59}
